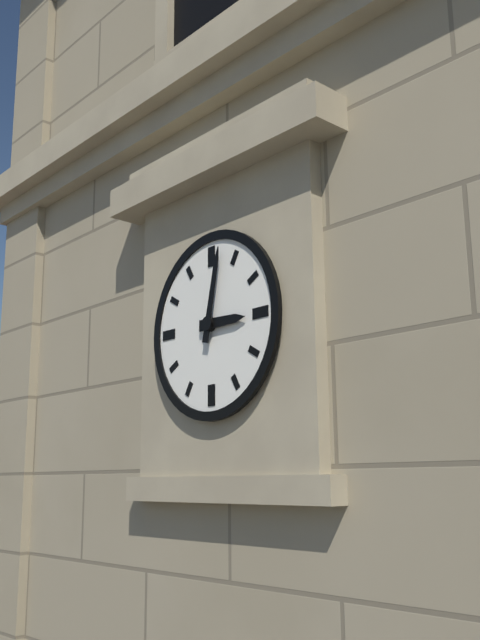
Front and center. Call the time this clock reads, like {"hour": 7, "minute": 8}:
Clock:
{"hour": 3, "minute": 2}
